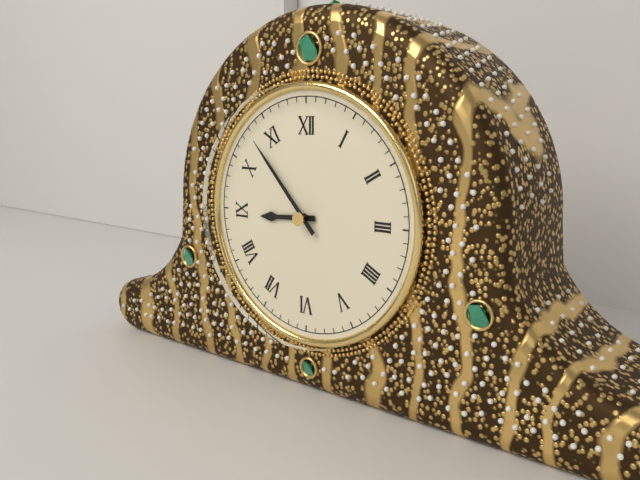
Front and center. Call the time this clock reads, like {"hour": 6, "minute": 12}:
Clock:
{"hour": 8, "minute": 53}
